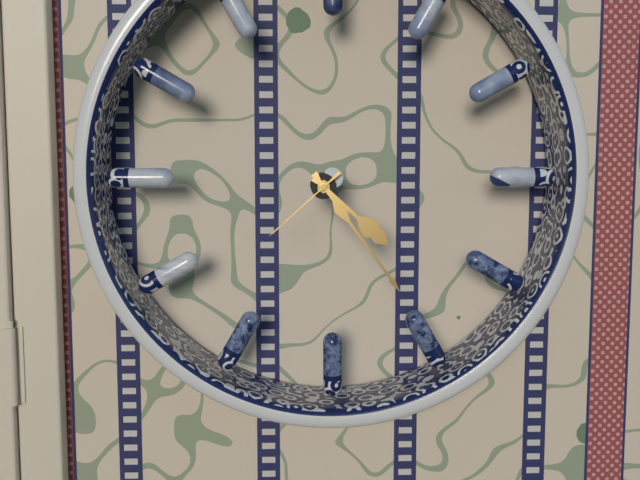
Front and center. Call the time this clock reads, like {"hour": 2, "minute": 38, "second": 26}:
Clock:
{"hour": 4, "minute": 24, "second": 38}
